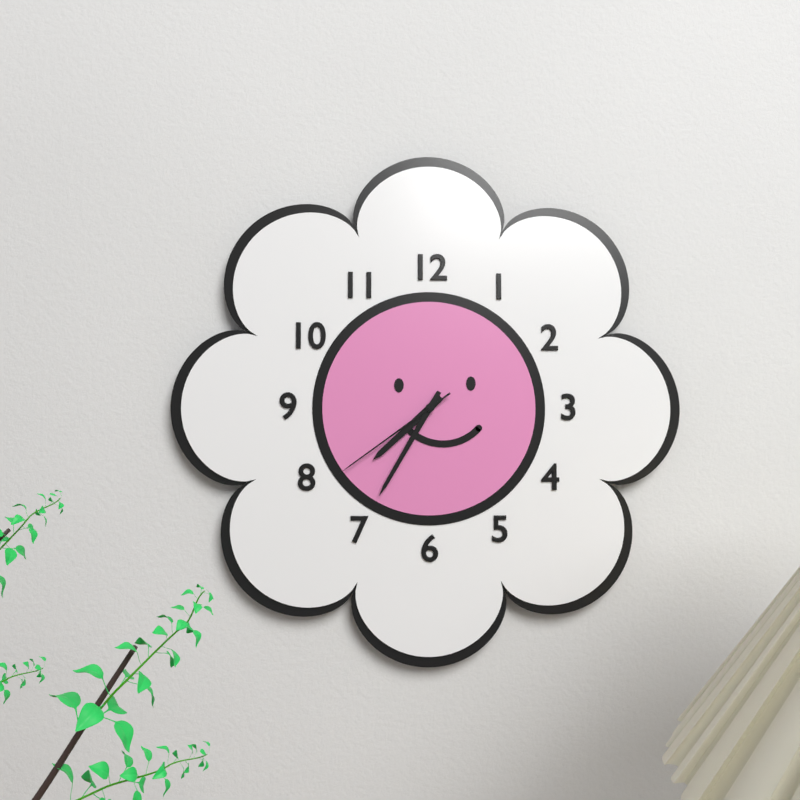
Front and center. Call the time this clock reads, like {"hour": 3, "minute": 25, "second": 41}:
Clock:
{"hour": 7, "minute": 35, "second": 39}
